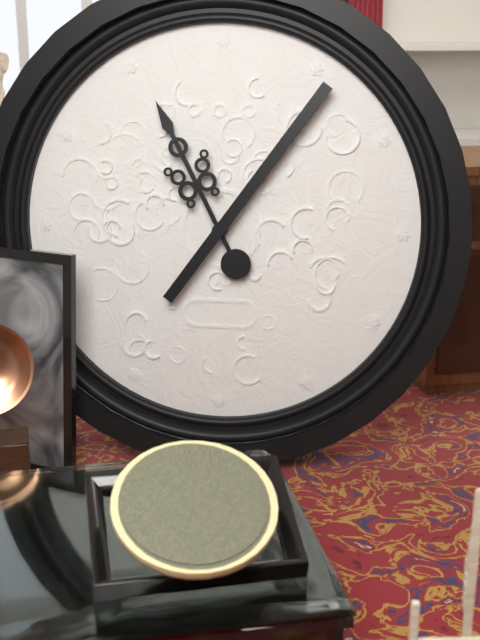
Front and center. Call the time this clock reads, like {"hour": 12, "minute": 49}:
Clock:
{"hour": 11, "minute": 6}
